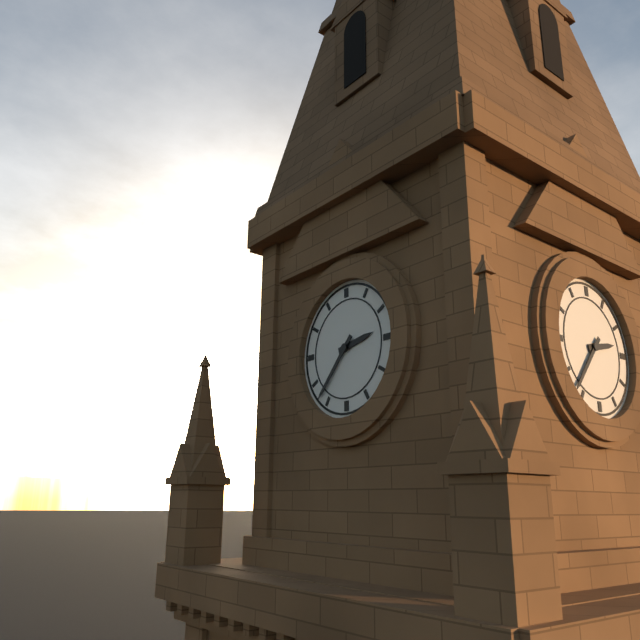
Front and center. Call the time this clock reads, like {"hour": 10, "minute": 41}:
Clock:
{"hour": 2, "minute": 37}
